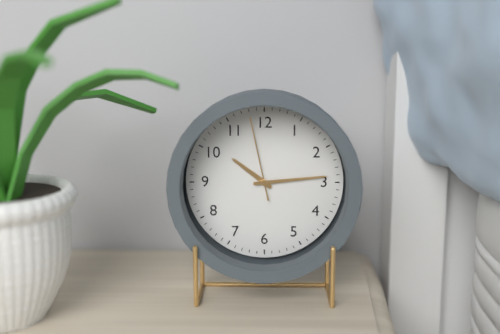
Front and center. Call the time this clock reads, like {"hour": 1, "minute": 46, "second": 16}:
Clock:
{"hour": 10, "minute": 14, "second": 58}
